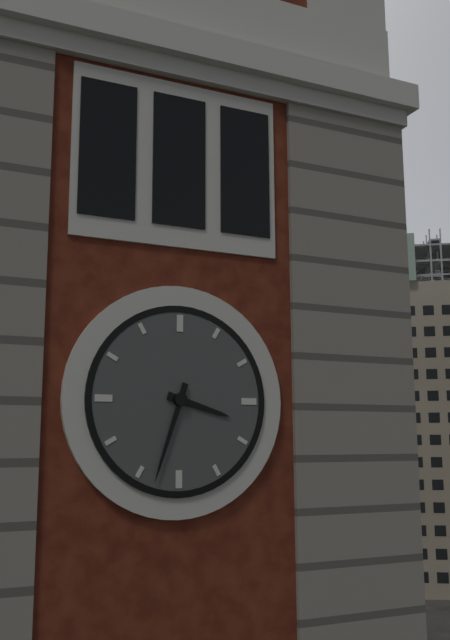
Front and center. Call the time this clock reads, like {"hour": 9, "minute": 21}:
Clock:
{"hour": 3, "minute": 33}
